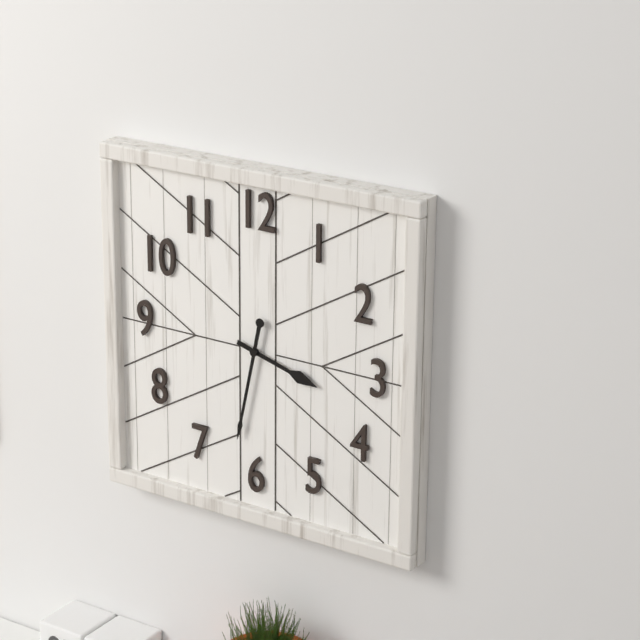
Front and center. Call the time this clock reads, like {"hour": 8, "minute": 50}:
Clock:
{"hour": 3, "minute": 32}
